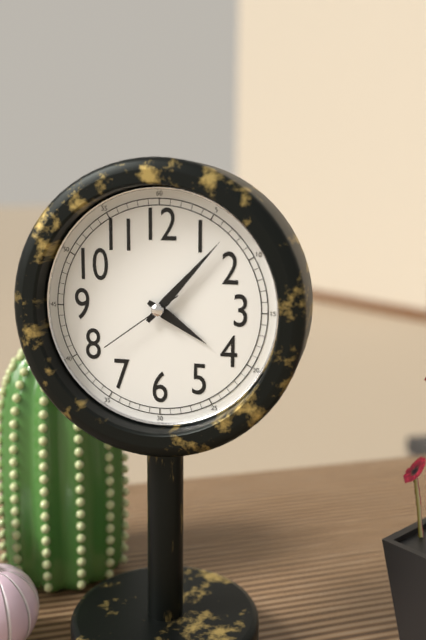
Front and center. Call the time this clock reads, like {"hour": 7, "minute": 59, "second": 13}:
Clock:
{"hour": 4, "minute": 7, "second": 39}
